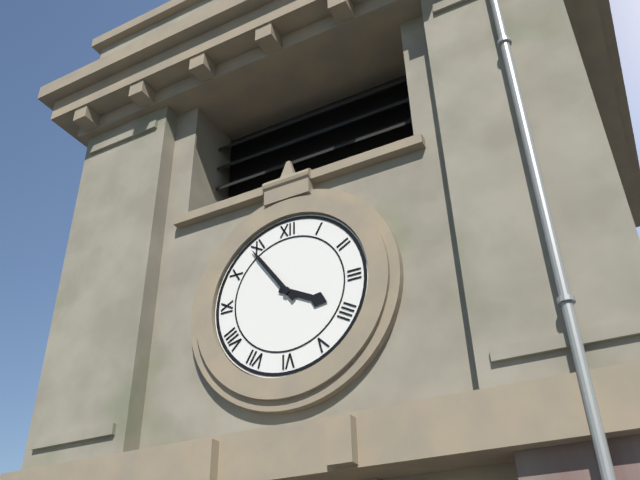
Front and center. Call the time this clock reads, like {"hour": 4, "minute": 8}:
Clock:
{"hour": 3, "minute": 54}
